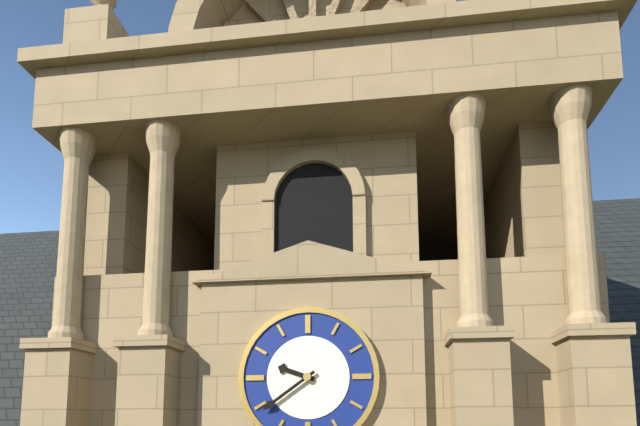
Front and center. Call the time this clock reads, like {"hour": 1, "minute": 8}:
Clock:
{"hour": 9, "minute": 39}
